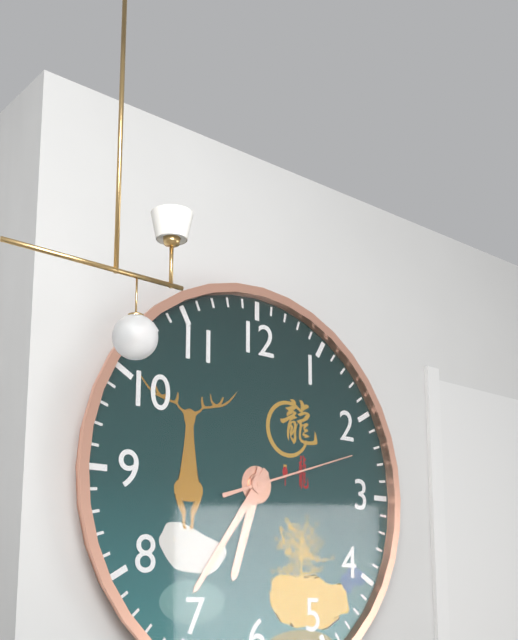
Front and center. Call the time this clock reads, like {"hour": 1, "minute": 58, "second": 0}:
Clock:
{"hour": 6, "minute": 36, "second": 12}
